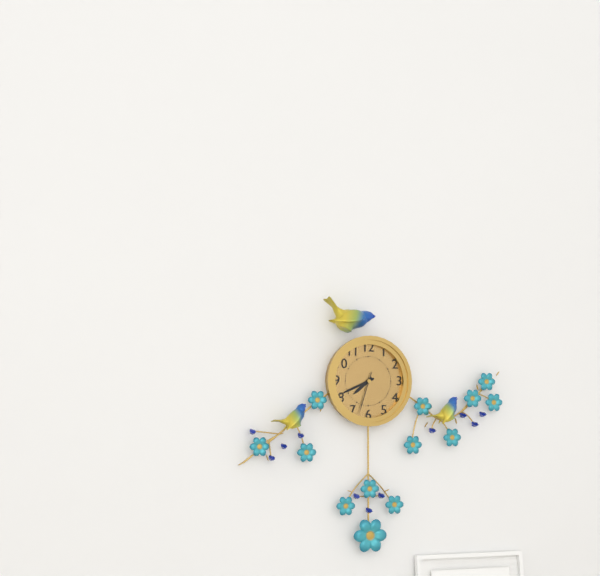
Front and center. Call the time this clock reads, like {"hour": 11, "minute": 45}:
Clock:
{"hour": 7, "minute": 41}
